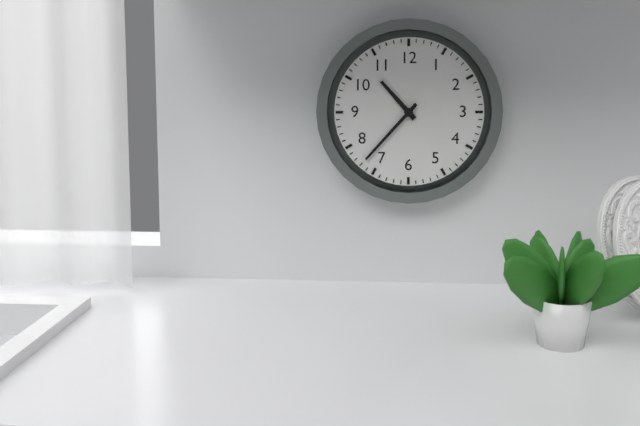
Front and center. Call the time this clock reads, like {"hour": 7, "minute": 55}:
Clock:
{"hour": 10, "minute": 37}
